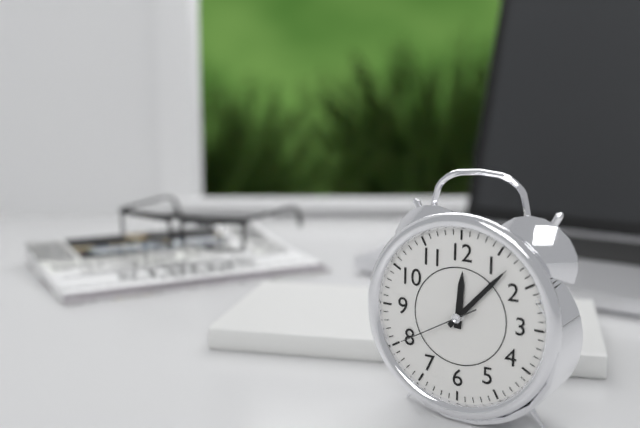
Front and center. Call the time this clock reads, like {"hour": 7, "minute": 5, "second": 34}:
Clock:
{"hour": 12, "minute": 7, "second": 40}
